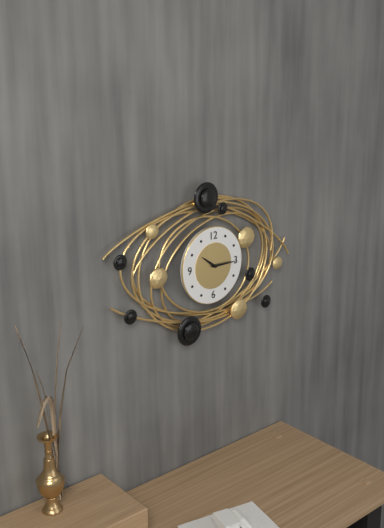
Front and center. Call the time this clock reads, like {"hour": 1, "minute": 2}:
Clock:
{"hour": 10, "minute": 15}
